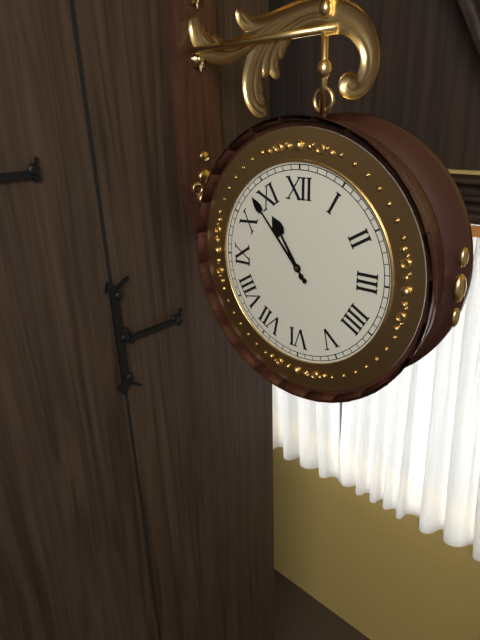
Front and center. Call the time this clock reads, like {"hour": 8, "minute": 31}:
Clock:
{"hour": 10, "minute": 53}
